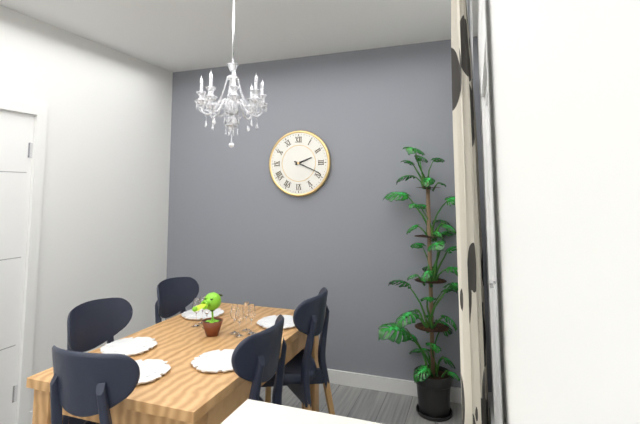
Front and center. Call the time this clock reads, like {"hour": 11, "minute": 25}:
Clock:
{"hour": 2, "minute": 19}
